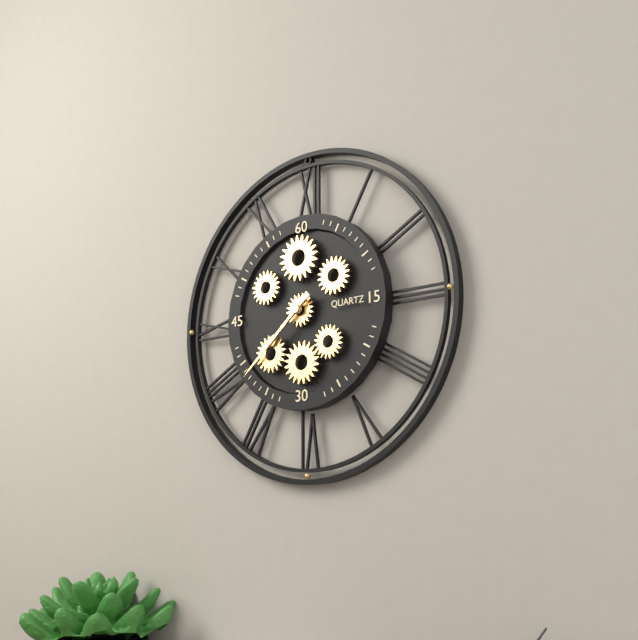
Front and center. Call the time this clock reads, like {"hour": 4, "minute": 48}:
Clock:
{"hour": 7, "minute": 38}
